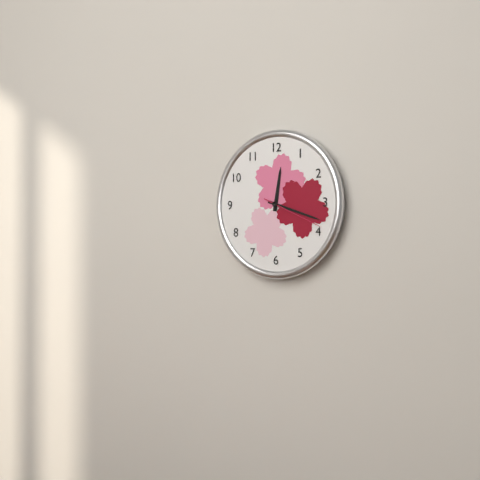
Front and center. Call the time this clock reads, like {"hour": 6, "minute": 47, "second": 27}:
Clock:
{"hour": 12, "minute": 18, "second": 19}
